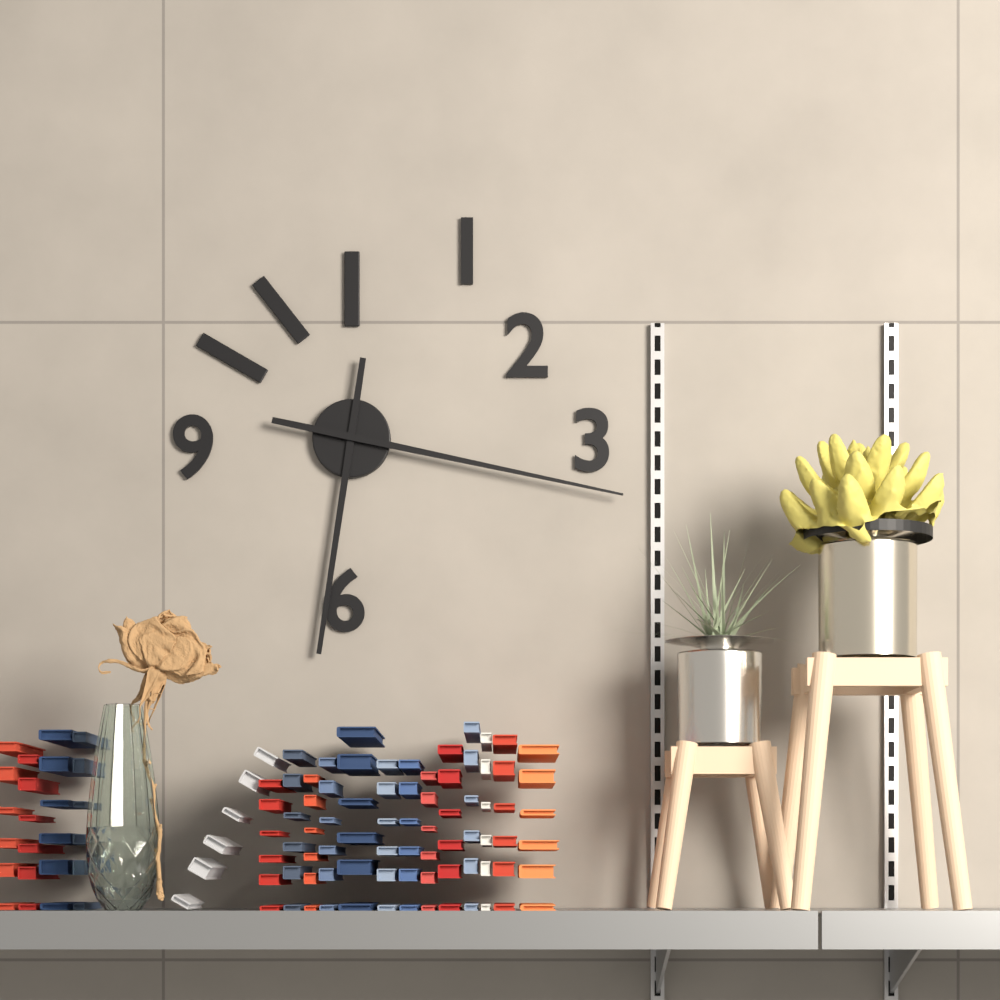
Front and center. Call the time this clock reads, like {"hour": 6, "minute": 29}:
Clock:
{"hour": 6, "minute": 17}
